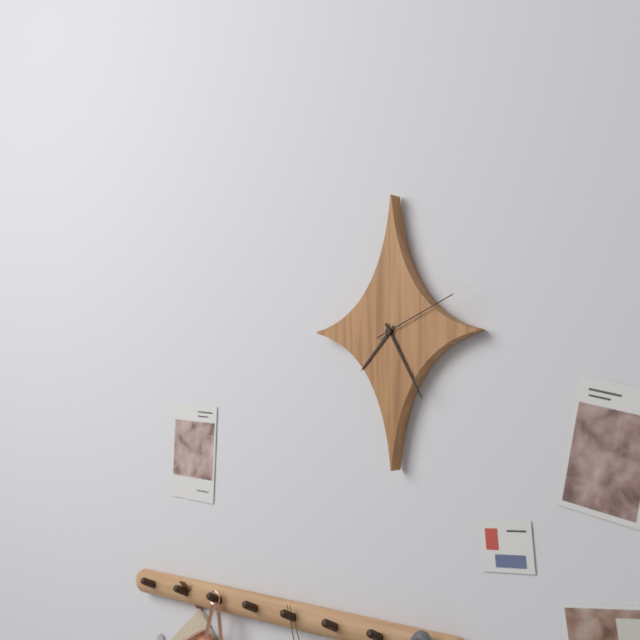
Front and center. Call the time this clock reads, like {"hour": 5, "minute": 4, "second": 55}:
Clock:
{"hour": 7, "minute": 25, "second": 11}
